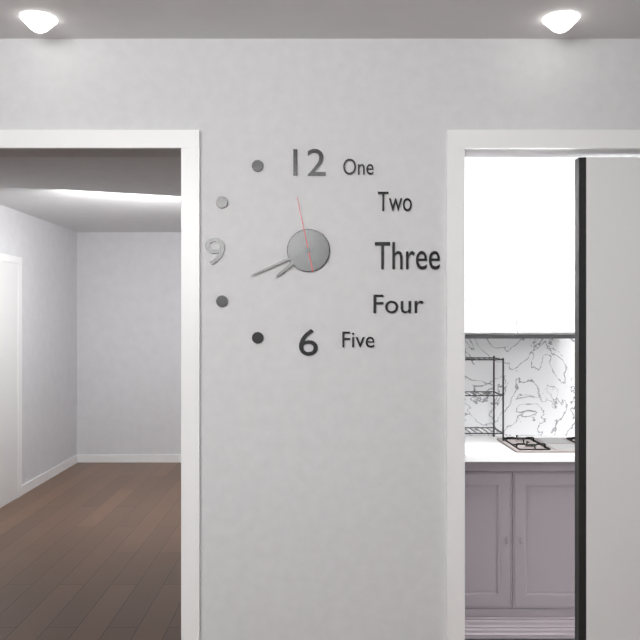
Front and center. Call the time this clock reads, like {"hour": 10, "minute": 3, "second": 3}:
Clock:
{"hour": 7, "minute": 41, "second": 58}
